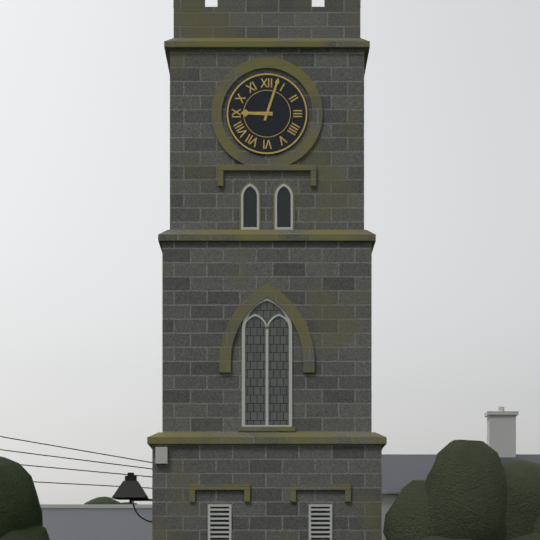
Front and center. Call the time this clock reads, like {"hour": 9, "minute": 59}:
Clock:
{"hour": 9, "minute": 3}
